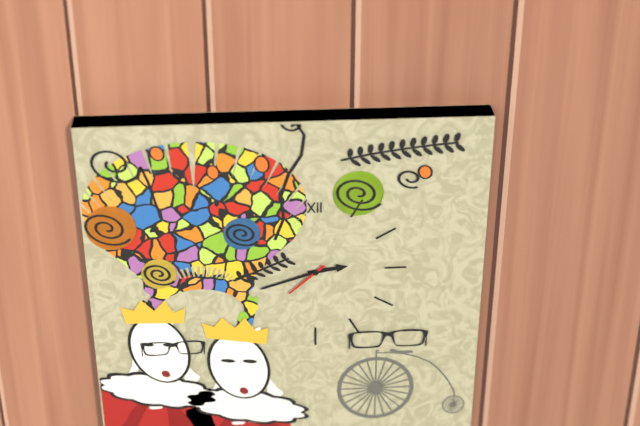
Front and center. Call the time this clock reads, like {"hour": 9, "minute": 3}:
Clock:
{"hour": 2, "minute": 42}
